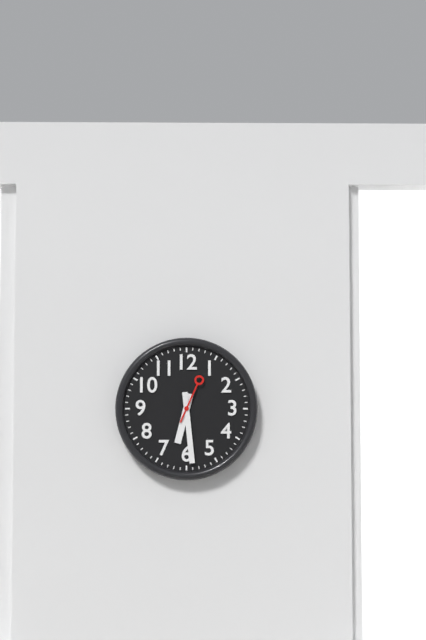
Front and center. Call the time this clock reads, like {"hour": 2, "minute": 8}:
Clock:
{"hour": 6, "minute": 29}
